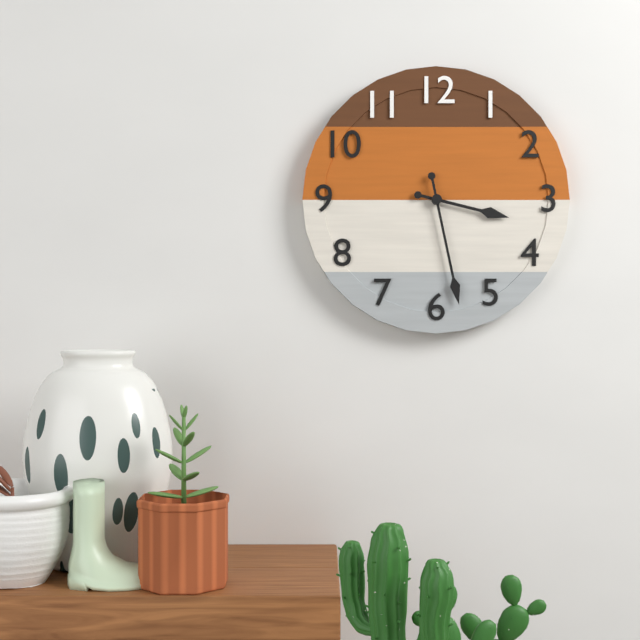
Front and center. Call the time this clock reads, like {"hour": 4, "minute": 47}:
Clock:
{"hour": 3, "minute": 28}
